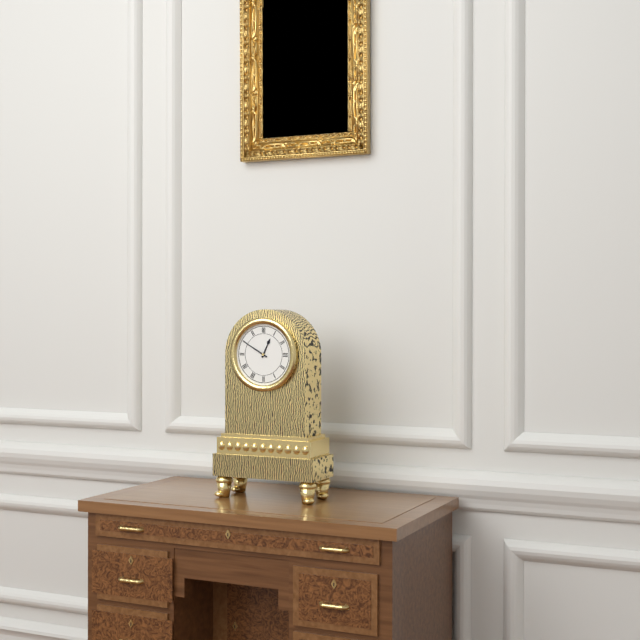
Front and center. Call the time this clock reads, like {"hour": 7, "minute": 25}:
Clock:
{"hour": 12, "minute": 50}
